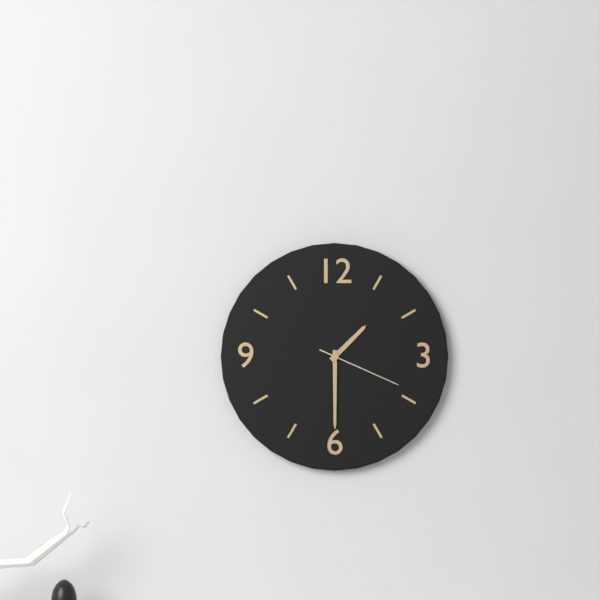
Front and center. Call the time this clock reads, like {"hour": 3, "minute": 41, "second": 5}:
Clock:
{"hour": 1, "minute": 30, "second": 19}
